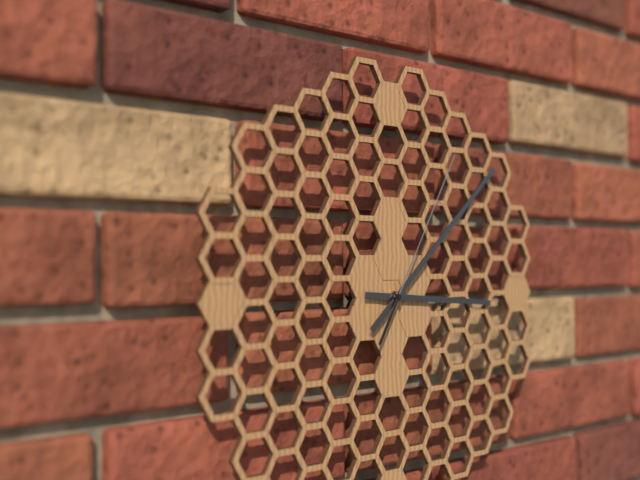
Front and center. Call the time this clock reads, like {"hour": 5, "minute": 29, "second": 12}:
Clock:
{"hour": 3, "minute": 8, "second": 5}
